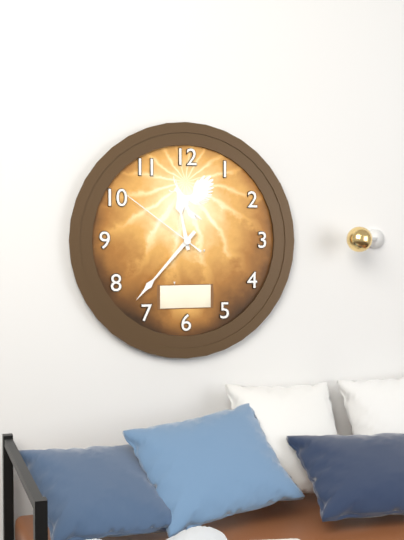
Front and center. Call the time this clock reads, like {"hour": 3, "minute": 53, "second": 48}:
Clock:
{"hour": 11, "minute": 37, "second": 51}
